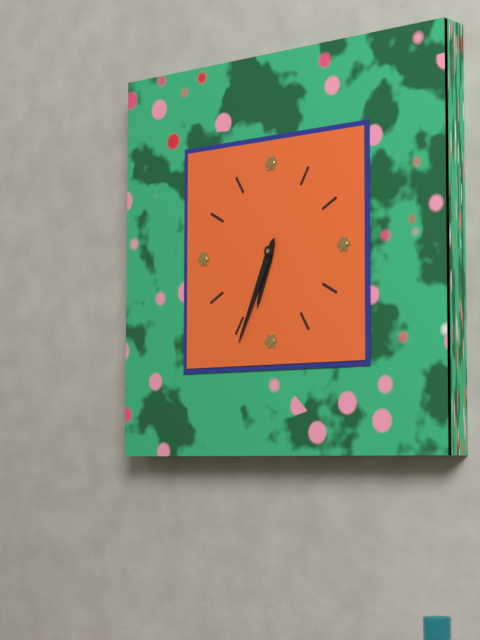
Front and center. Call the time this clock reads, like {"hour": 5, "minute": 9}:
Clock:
{"hour": 6, "minute": 34}
